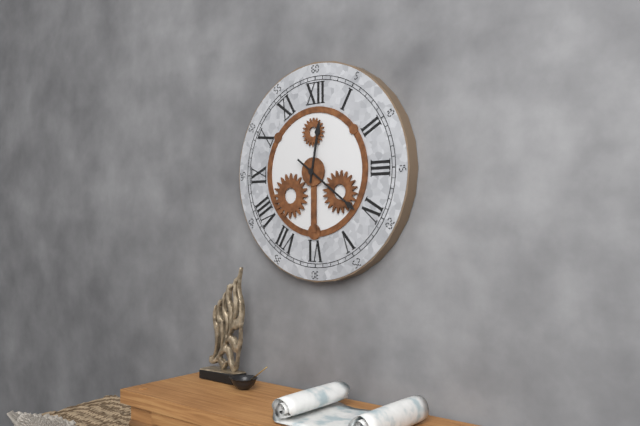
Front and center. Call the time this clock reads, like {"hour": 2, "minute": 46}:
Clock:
{"hour": 12, "minute": 21}
